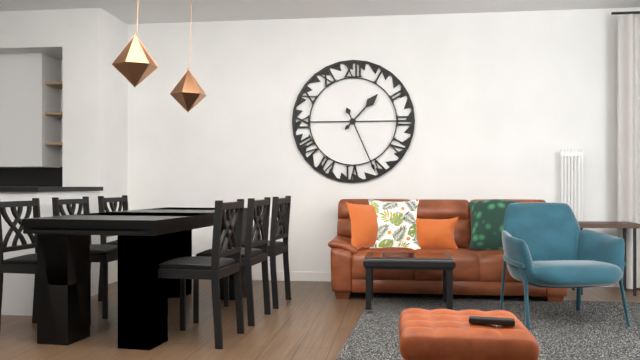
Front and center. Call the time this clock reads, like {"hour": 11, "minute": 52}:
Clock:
{"hour": 1, "minute": 26}
